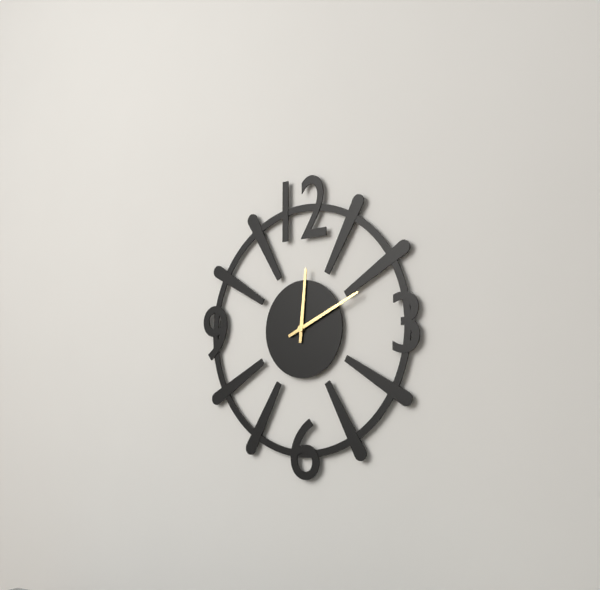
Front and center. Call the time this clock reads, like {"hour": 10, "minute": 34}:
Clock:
{"hour": 12, "minute": 11}
